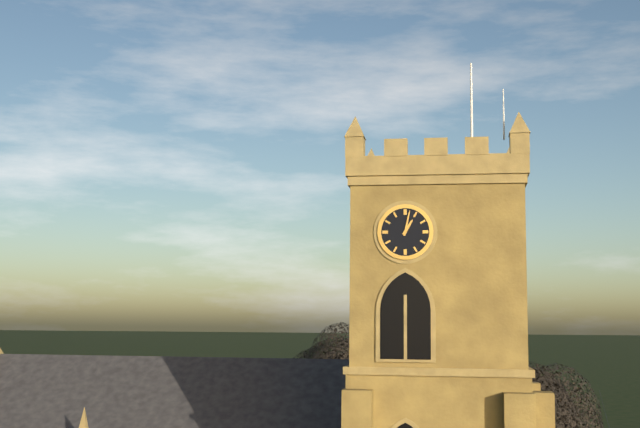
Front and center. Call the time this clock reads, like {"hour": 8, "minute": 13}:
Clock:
{"hour": 1, "minute": 2}
